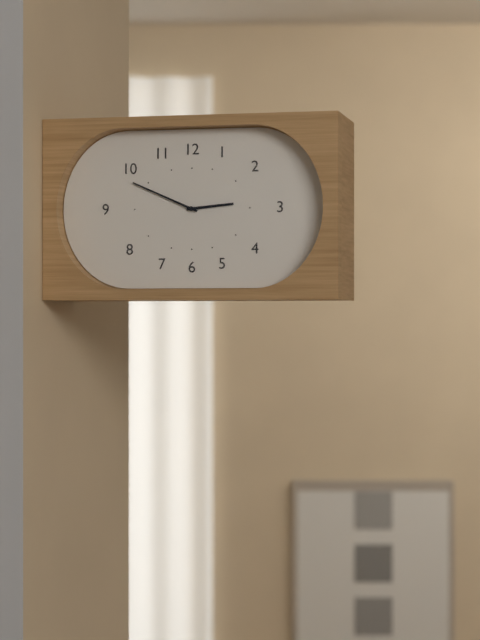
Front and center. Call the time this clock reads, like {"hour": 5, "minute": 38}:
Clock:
{"hour": 2, "minute": 49}
